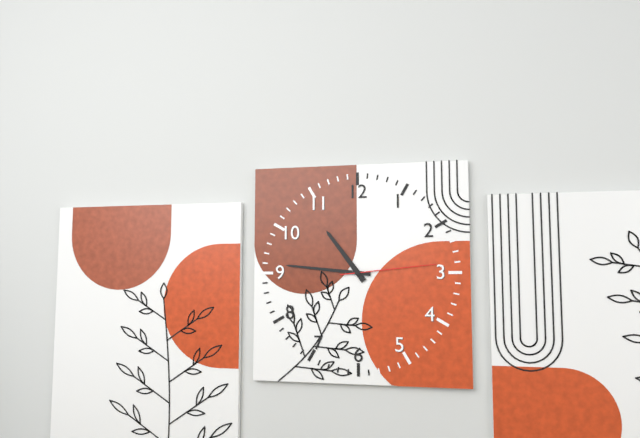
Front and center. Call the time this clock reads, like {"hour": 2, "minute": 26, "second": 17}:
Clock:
{"hour": 10, "minute": 46, "second": 14}
